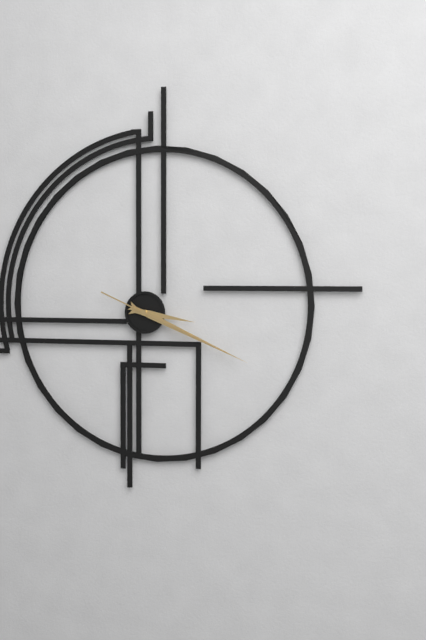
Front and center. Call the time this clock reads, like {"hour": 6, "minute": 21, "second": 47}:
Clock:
{"hour": 3, "minute": 19, "second": 19}
